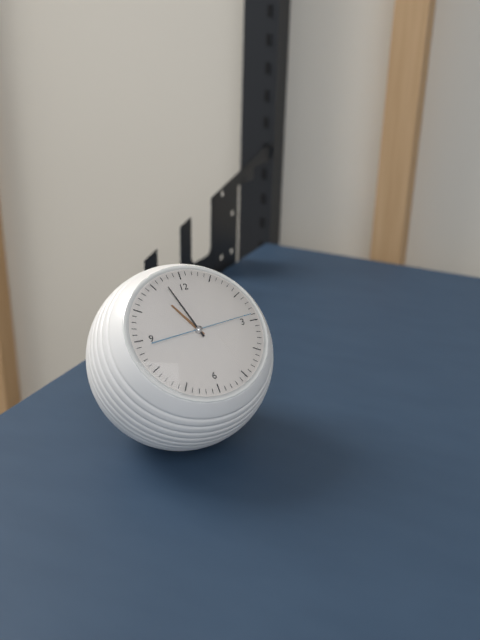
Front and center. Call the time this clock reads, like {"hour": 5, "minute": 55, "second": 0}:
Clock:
{"hour": 10, "minute": 57, "second": 14}
